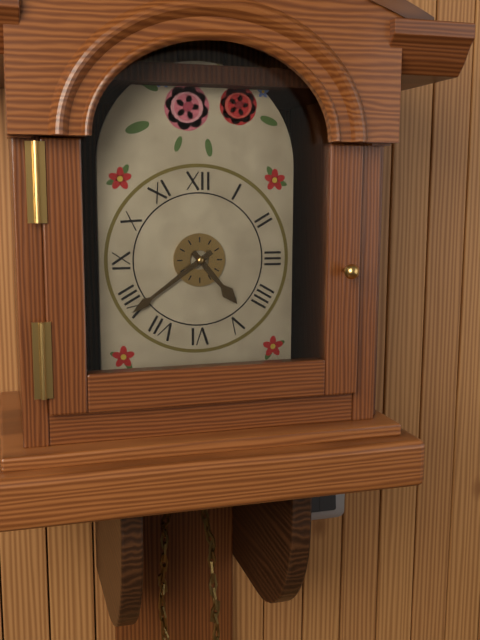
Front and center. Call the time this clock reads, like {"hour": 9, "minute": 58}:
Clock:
{"hour": 4, "minute": 39}
